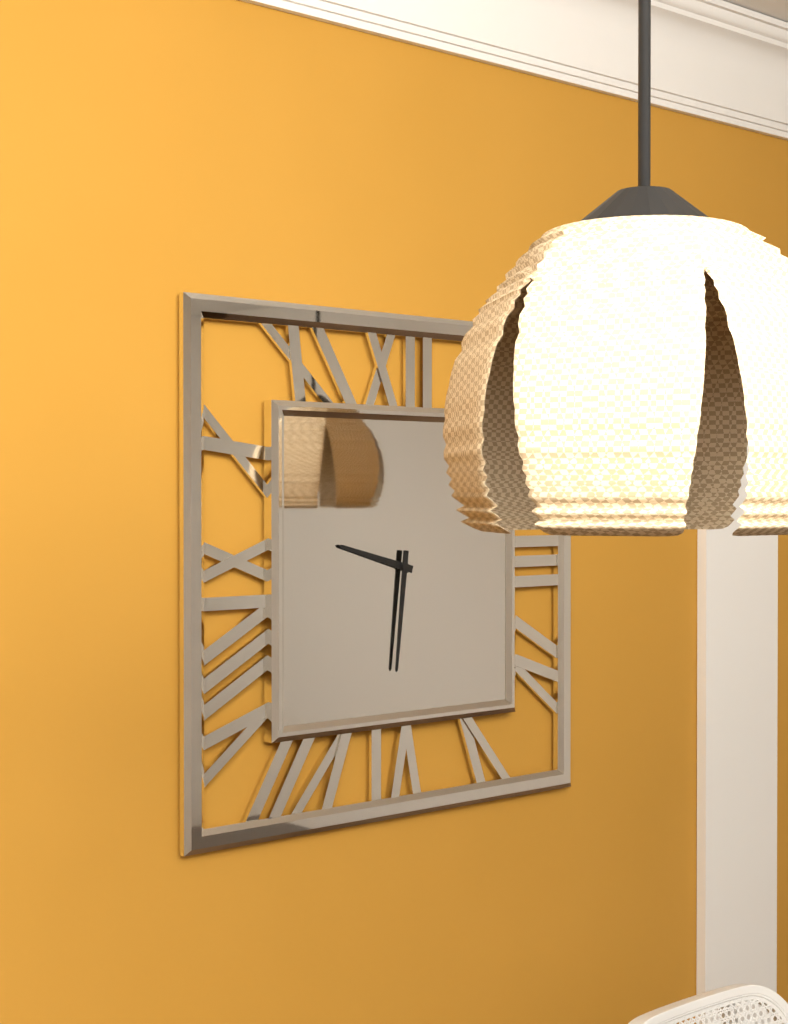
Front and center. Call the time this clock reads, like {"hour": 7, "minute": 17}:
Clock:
{"hour": 9, "minute": 31}
